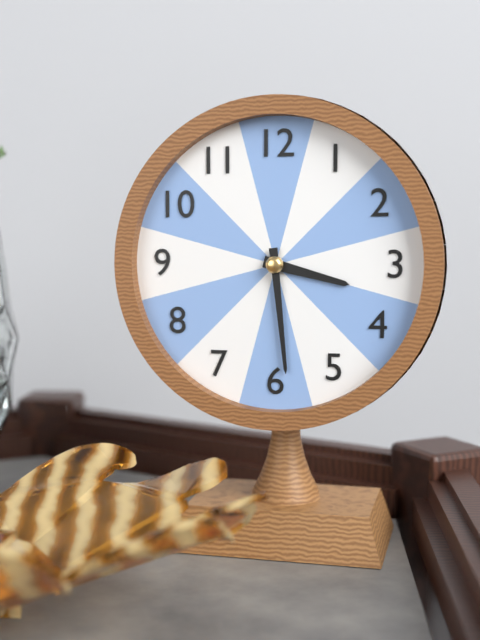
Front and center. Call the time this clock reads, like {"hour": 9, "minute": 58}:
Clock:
{"hour": 3, "minute": 29}
